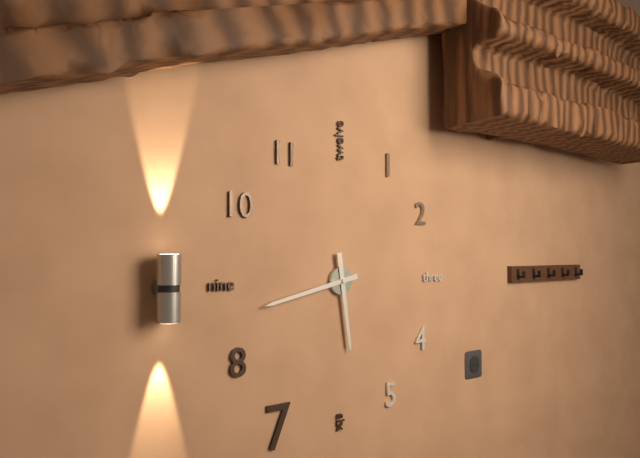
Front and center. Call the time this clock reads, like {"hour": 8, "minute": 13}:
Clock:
{"hour": 5, "minute": 43}
